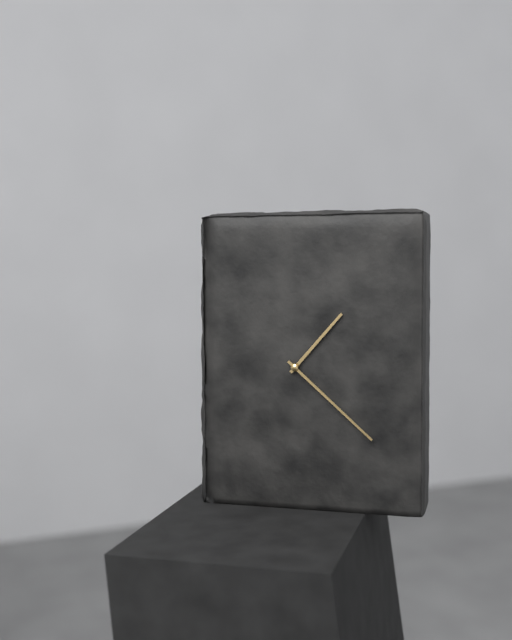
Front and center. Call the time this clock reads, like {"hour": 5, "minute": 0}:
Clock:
{"hour": 1, "minute": 22}
